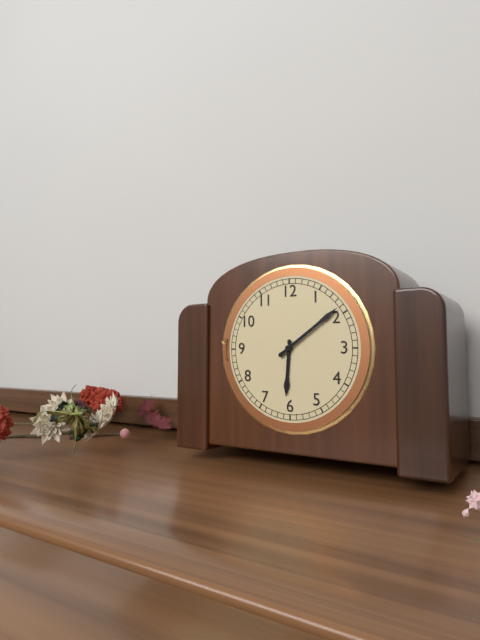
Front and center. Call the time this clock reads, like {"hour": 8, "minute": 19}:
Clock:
{"hour": 6, "minute": 9}
